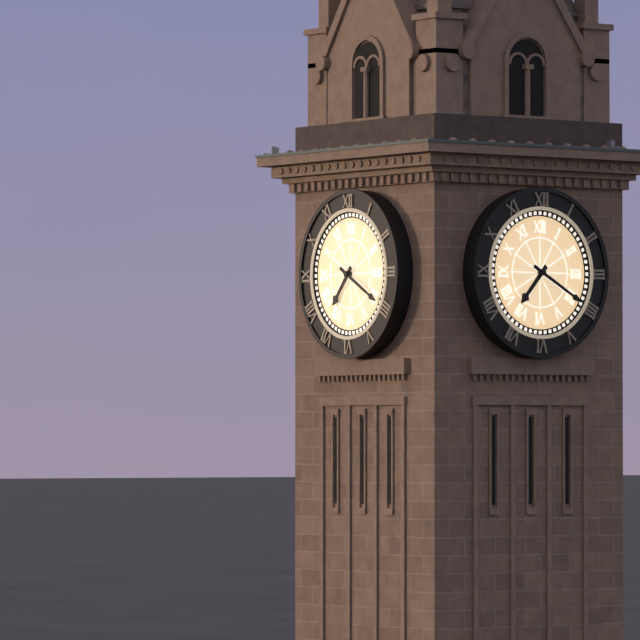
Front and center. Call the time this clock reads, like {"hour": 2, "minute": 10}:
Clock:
{"hour": 7, "minute": 20}
